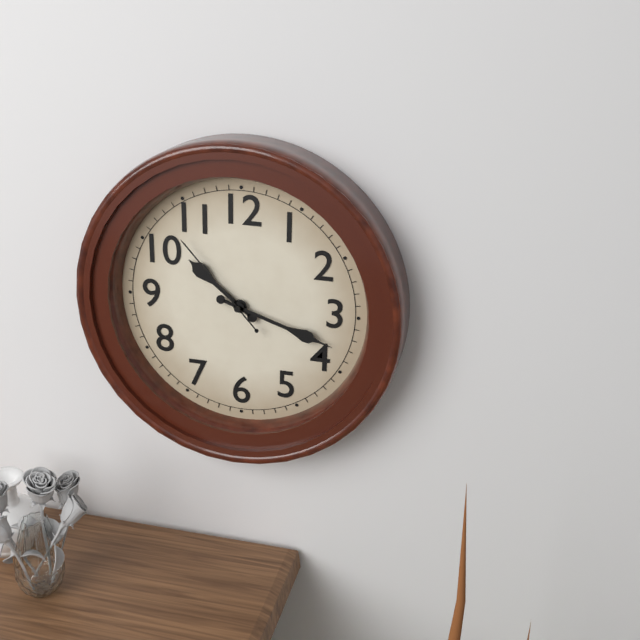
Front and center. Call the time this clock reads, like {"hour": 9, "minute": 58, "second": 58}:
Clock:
{"hour": 10, "minute": 18, "second": 53}
